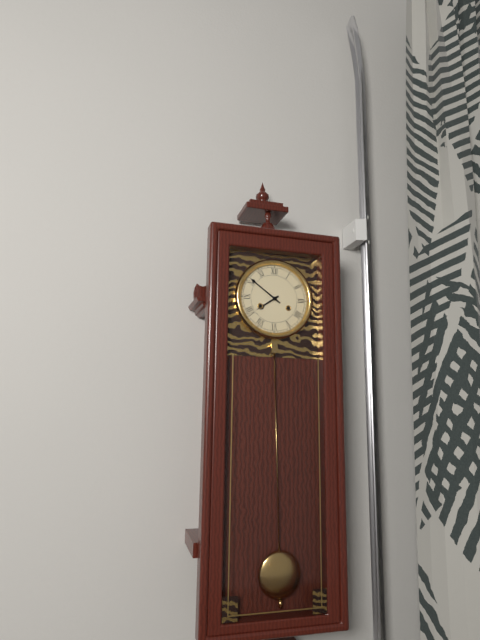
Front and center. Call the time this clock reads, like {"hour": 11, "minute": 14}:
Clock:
{"hour": 7, "minute": 51}
